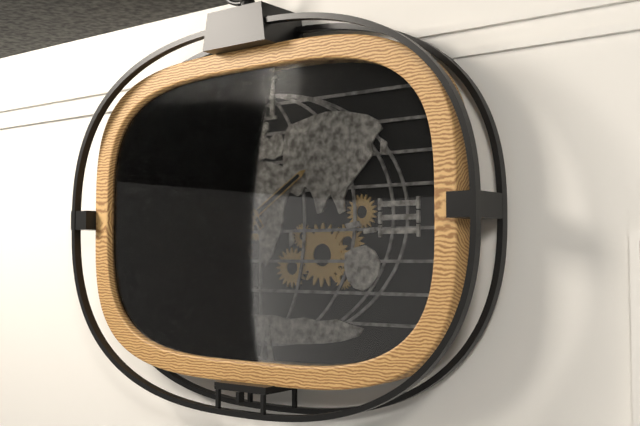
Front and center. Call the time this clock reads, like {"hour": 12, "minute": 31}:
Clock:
{"hour": 1, "minute": 54}
